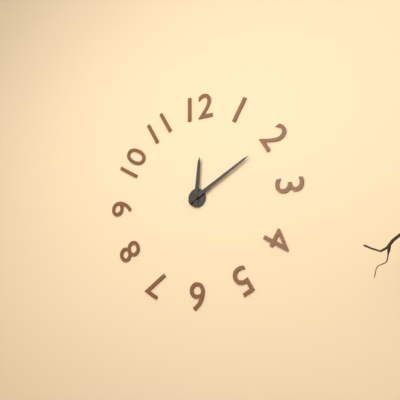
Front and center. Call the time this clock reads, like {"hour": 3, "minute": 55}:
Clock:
{"hour": 12, "minute": 10}
